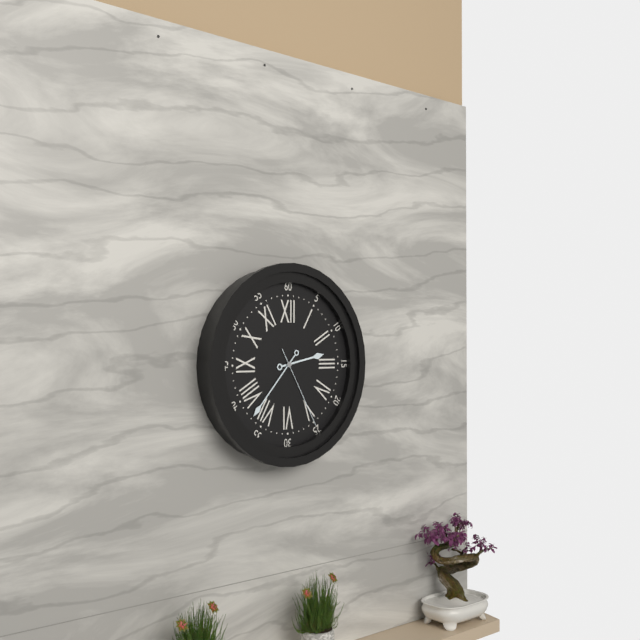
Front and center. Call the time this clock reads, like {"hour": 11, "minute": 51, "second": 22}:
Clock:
{"hour": 2, "minute": 37, "second": 25}
